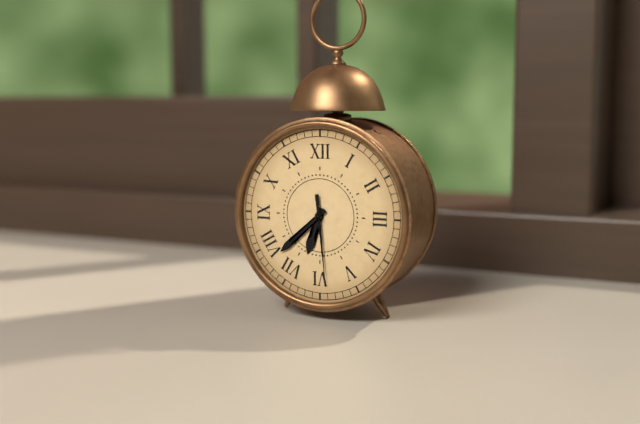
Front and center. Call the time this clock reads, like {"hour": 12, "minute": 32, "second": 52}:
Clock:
{"hour": 6, "minute": 38, "second": 29}
